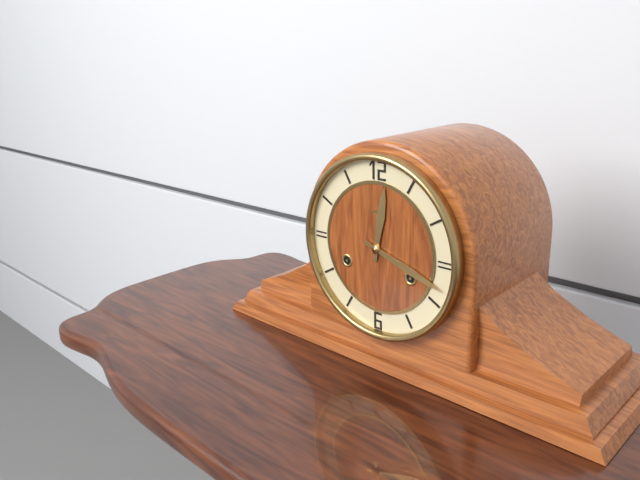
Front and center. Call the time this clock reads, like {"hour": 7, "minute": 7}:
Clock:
{"hour": 12, "minute": 18}
